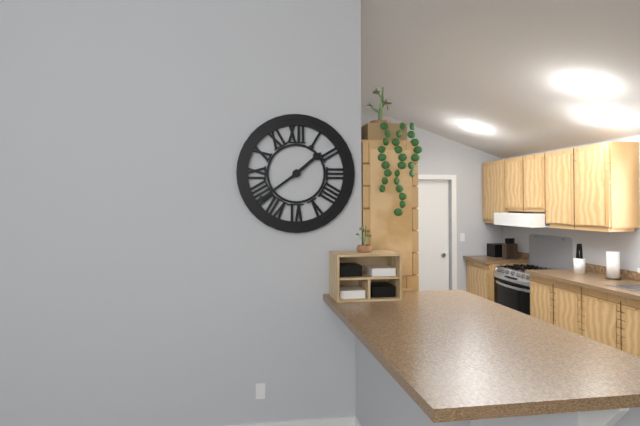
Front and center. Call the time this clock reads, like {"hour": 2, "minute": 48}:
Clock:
{"hour": 1, "minute": 39}
